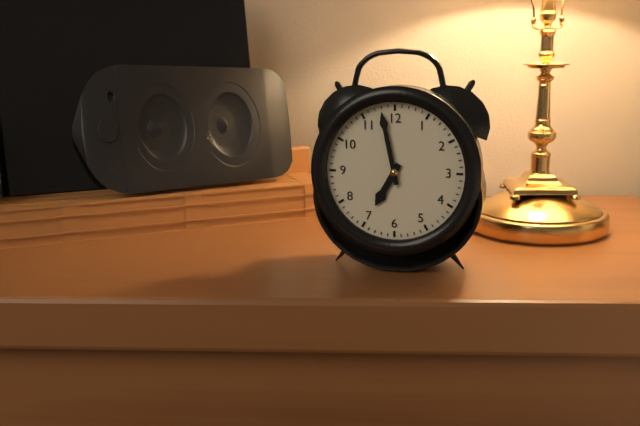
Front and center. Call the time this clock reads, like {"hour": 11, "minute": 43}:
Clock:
{"hour": 6, "minute": 58}
